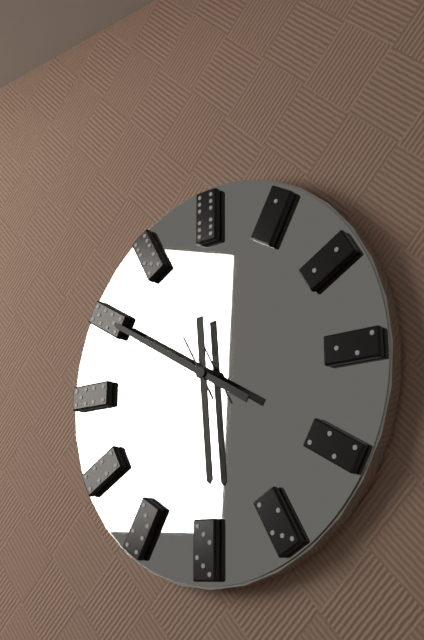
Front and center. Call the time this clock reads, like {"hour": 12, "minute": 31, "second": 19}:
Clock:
{"hour": 5, "minute": 50, "second": 55}
